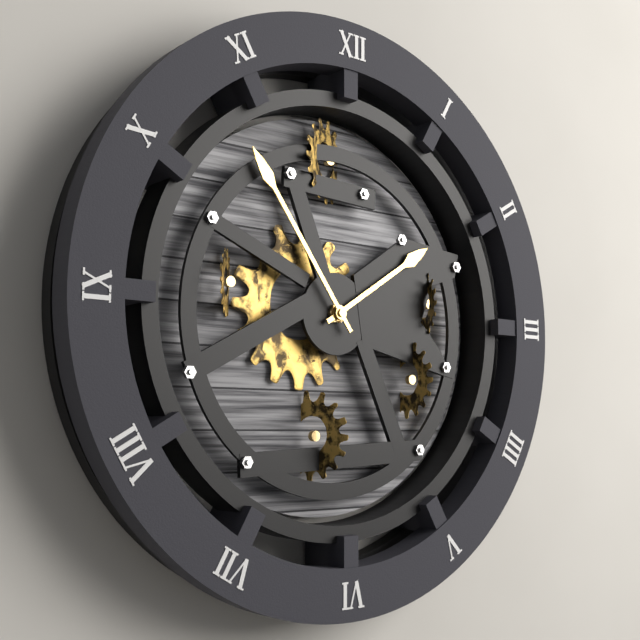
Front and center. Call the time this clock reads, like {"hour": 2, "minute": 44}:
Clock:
{"hour": 1, "minute": 54}
